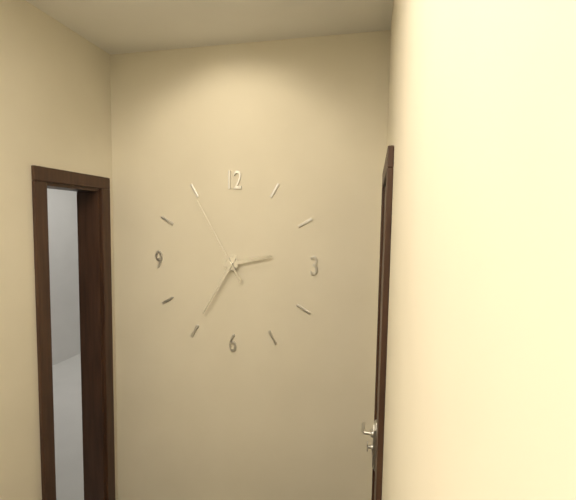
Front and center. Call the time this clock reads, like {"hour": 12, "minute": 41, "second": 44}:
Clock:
{"hour": 2, "minute": 35, "second": 55}
